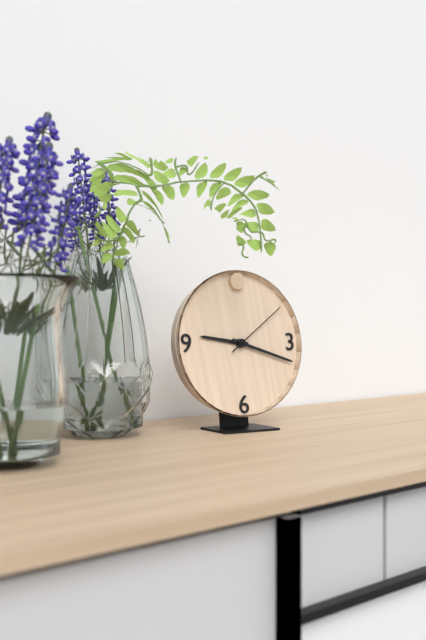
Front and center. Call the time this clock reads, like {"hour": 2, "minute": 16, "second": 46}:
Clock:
{"hour": 9, "minute": 18, "second": 9}
